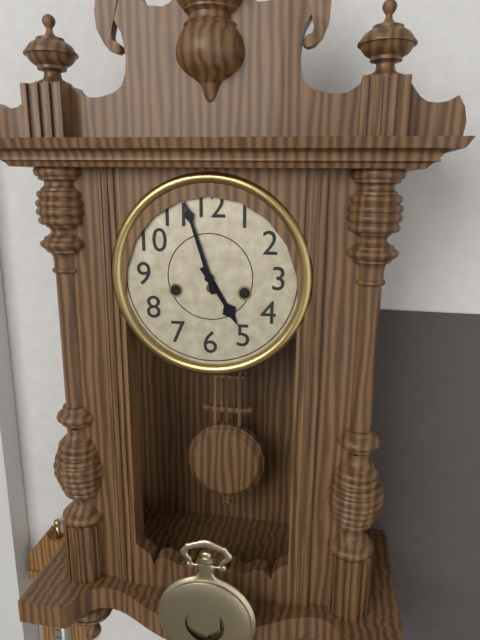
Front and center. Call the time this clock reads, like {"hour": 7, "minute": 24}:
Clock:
{"hour": 4, "minute": 57}
